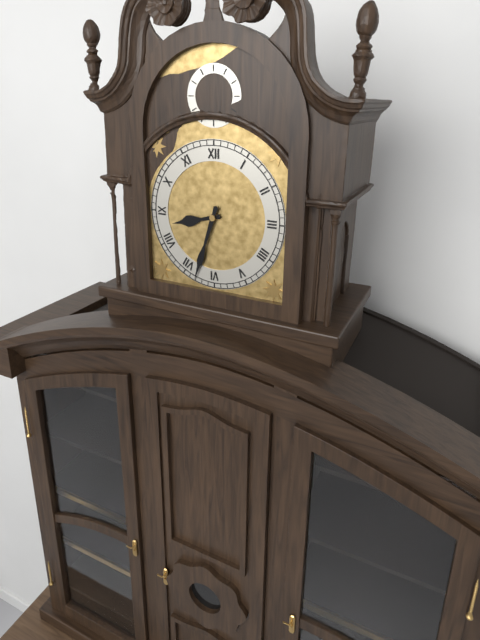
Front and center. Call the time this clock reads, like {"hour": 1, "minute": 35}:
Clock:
{"hour": 8, "minute": 33}
